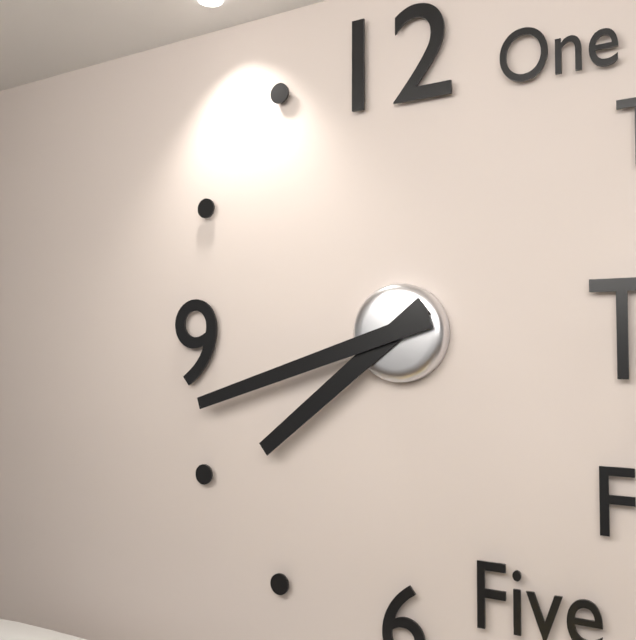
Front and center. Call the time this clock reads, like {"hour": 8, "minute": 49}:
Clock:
{"hour": 7, "minute": 42}
